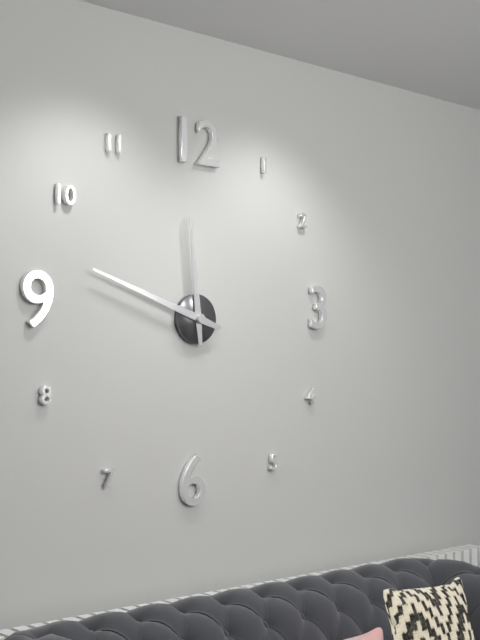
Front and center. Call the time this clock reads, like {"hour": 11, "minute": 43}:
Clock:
{"hour": 11, "minute": 48}
